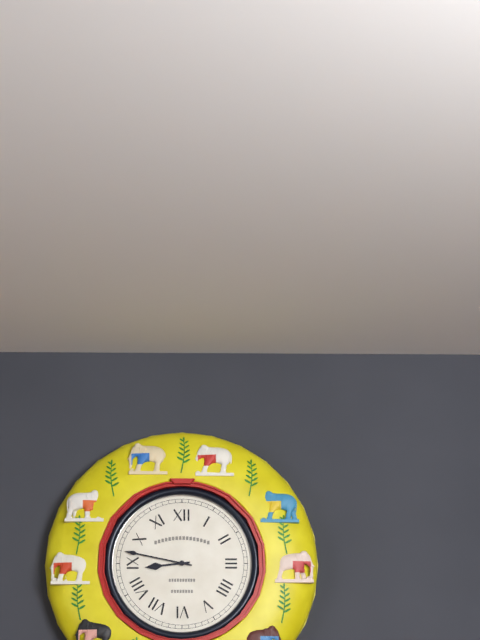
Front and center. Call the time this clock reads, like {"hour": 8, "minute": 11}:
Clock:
{"hour": 8, "minute": 47}
